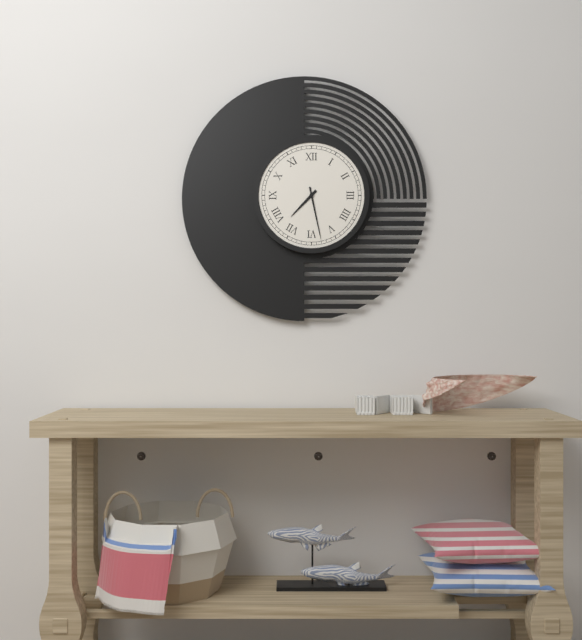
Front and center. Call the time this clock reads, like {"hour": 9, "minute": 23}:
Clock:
{"hour": 7, "minute": 28}
